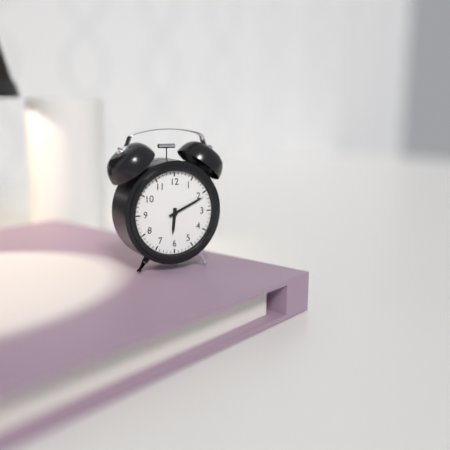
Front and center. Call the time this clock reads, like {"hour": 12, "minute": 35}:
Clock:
{"hour": 6, "minute": 11}
